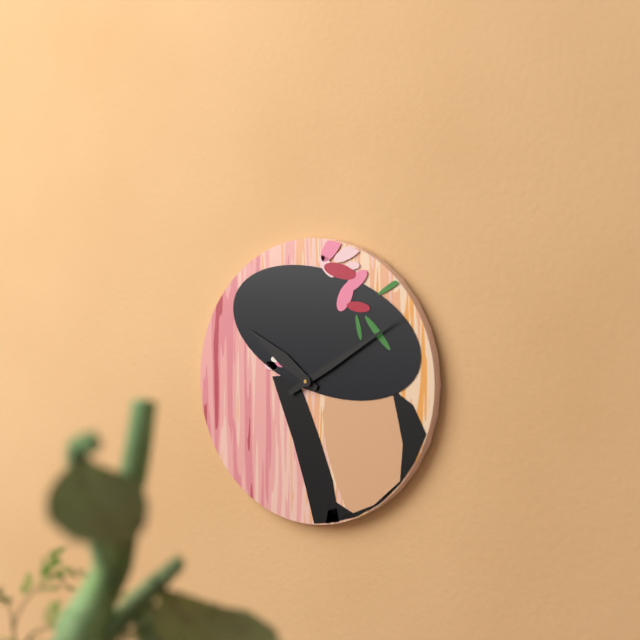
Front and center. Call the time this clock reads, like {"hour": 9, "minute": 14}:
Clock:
{"hour": 10, "minute": 10}
